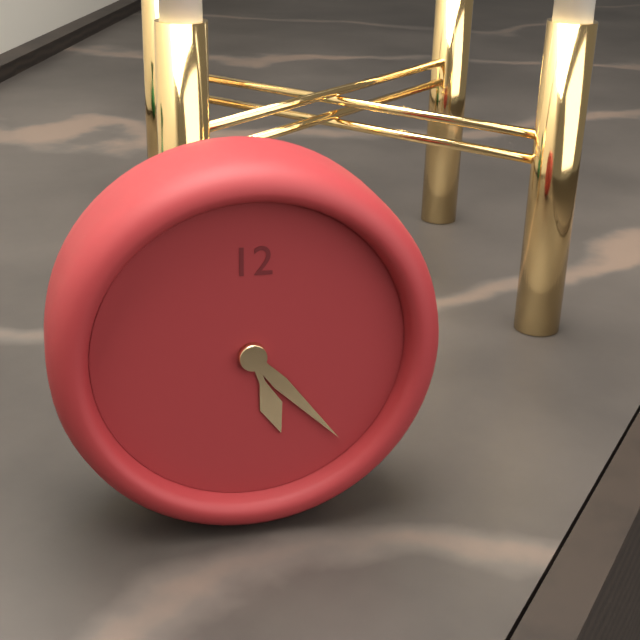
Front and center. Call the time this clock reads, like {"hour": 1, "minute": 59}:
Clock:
{"hour": 5, "minute": 23}
